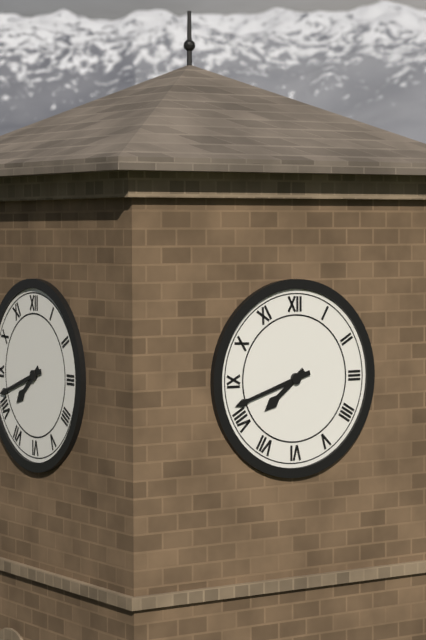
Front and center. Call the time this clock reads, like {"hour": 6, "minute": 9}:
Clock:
{"hour": 7, "minute": 42}
